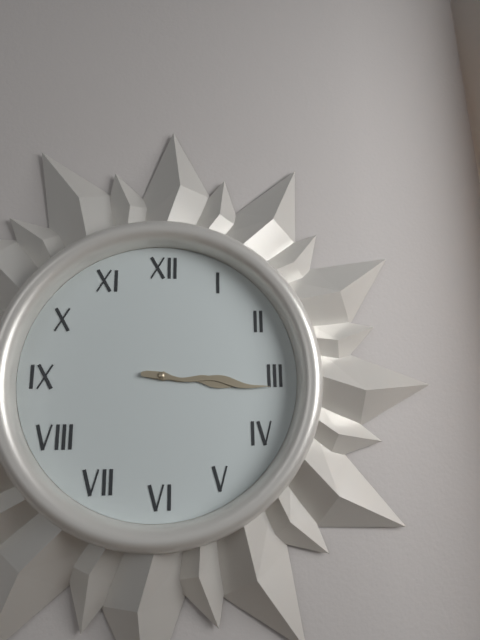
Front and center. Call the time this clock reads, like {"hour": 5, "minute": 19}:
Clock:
{"hour": 3, "minute": 16}
